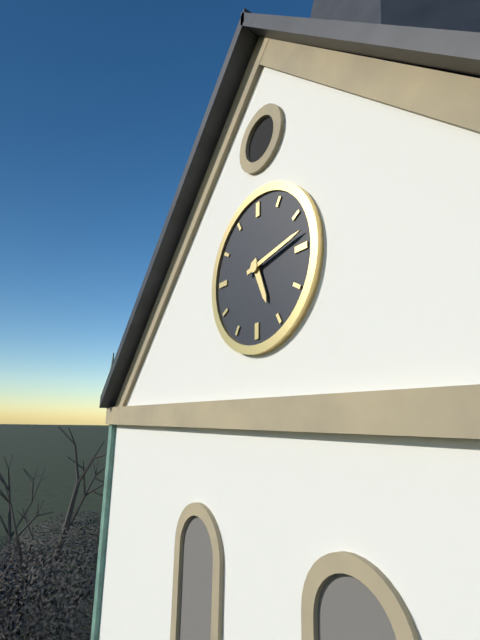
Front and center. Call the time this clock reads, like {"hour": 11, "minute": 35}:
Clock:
{"hour": 5, "minute": 13}
